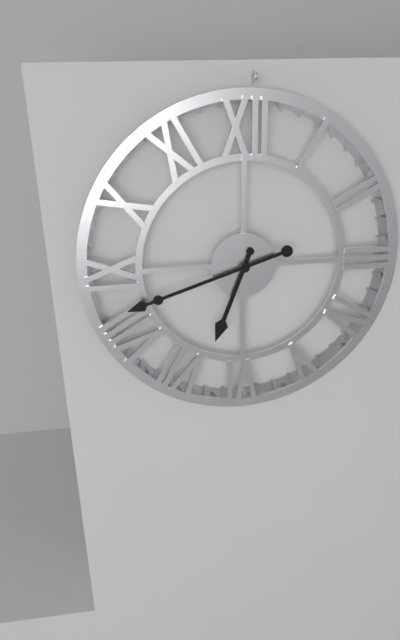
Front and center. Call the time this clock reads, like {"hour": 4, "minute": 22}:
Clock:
{"hour": 6, "minute": 42}
